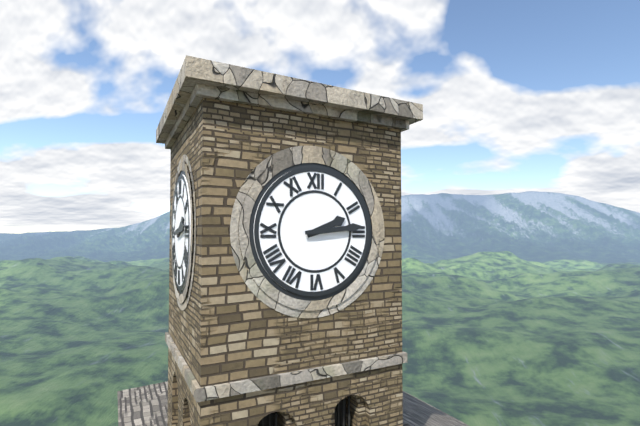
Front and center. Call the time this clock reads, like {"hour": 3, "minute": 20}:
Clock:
{"hour": 2, "minute": 14}
